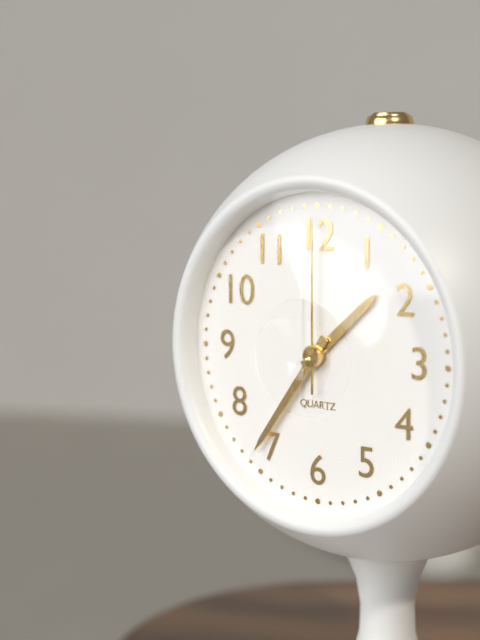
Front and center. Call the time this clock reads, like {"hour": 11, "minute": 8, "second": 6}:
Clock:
{"hour": 1, "minute": 36, "second": 0}
